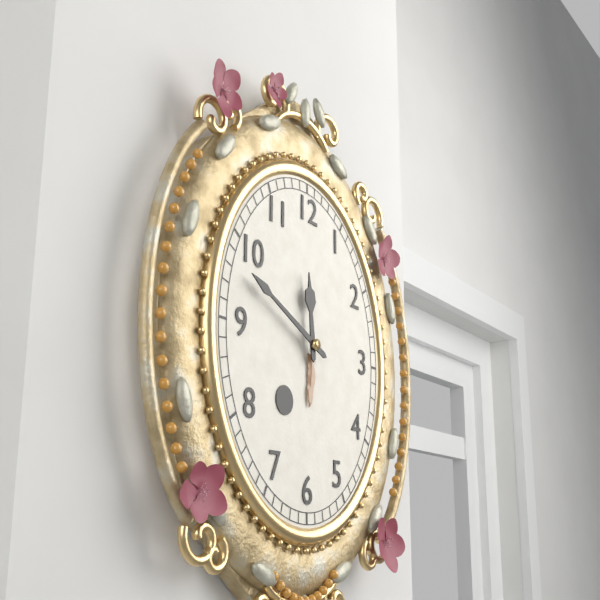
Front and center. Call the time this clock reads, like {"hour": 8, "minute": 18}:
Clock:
{"hour": 11, "minute": 49}
